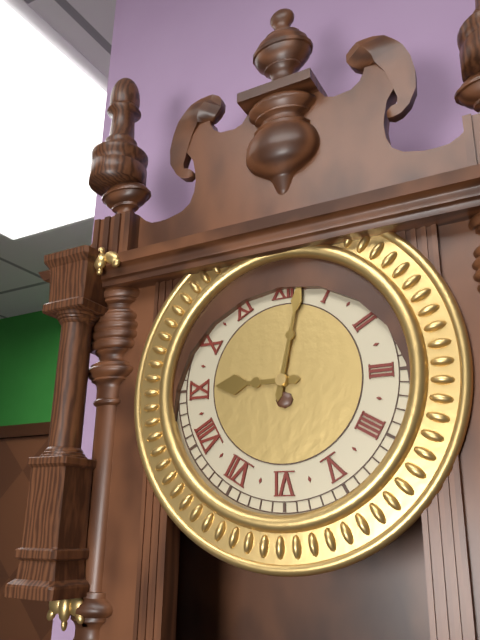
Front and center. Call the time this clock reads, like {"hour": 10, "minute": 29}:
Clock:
{"hour": 9, "minute": 2}
